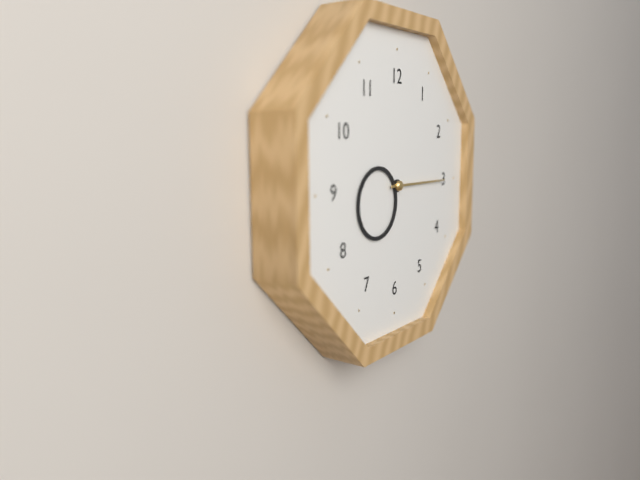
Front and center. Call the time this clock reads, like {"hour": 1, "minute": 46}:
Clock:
{"hour": 8, "minute": 15}
